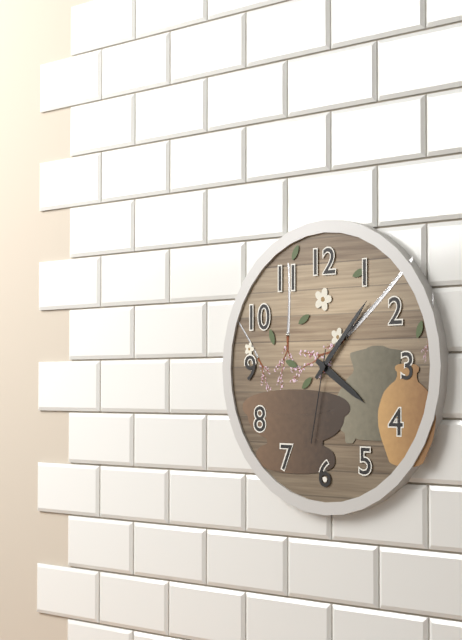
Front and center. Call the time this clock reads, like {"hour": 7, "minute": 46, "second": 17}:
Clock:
{"hour": 4, "minute": 7, "second": 32}
